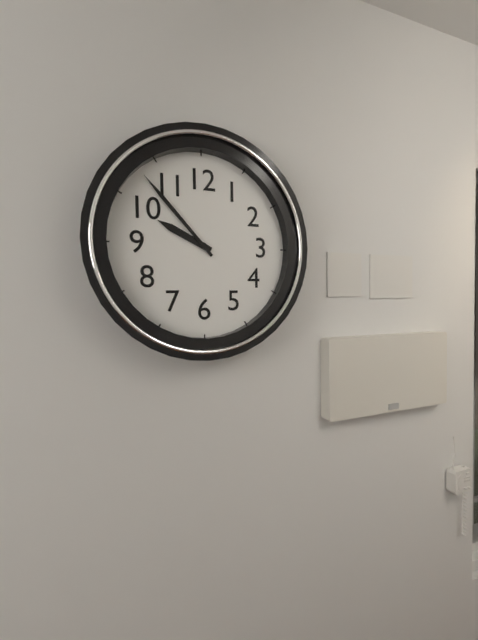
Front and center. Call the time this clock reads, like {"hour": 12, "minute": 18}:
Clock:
{"hour": 9, "minute": 53}
